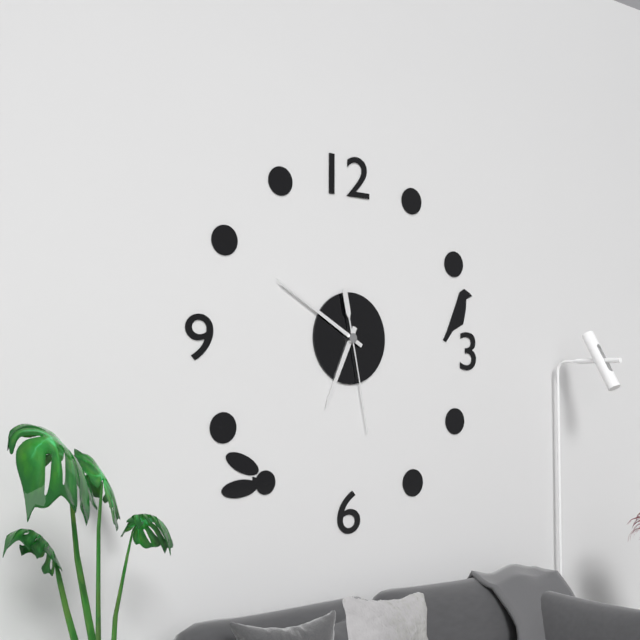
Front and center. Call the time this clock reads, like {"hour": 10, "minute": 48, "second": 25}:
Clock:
{"hour": 6, "minute": 50, "second": 28}
